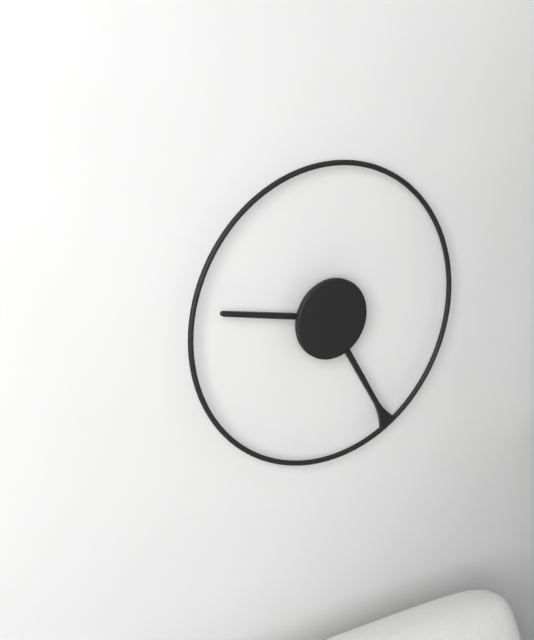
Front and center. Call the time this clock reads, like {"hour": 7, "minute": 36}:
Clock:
{"hour": 9, "minute": 25}
